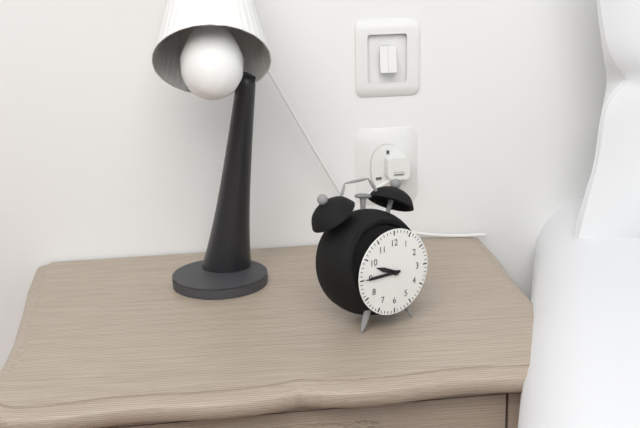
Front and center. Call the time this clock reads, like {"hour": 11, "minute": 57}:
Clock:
{"hour": 9, "minute": 45}
